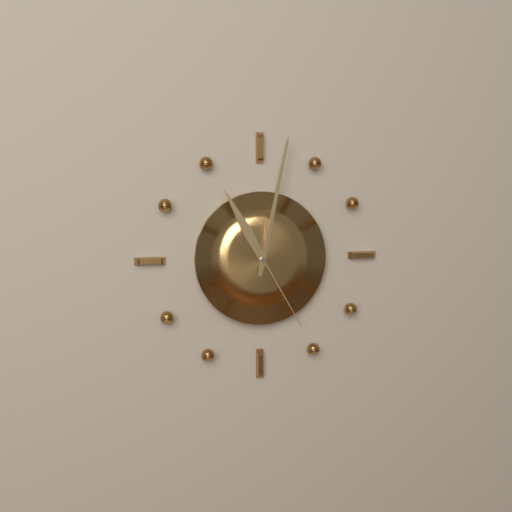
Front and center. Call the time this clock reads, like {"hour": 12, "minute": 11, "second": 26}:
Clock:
{"hour": 11, "minute": 2, "second": 25}
